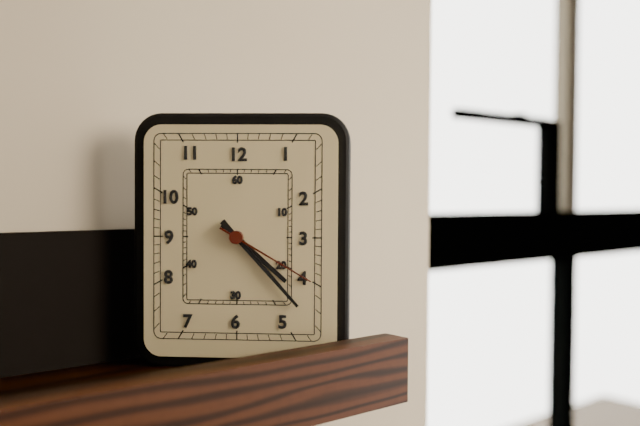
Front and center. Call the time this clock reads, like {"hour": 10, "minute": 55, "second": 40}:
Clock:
{"hour": 4, "minute": 23, "second": 20}
